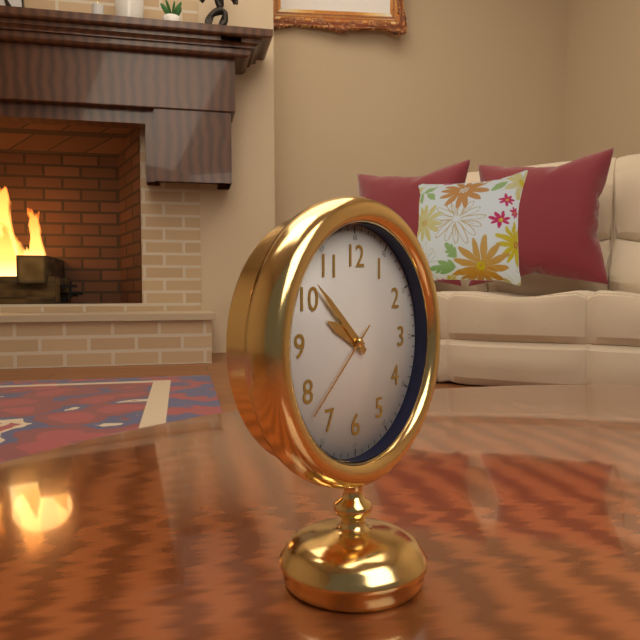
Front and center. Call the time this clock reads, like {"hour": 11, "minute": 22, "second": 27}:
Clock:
{"hour": 9, "minute": 52, "second": 38}
